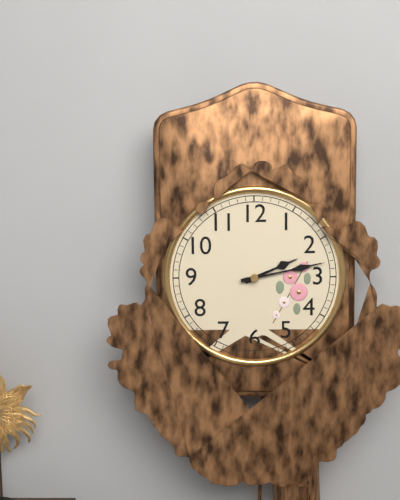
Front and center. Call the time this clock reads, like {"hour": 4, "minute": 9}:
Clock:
{"hour": 2, "minute": 13}
